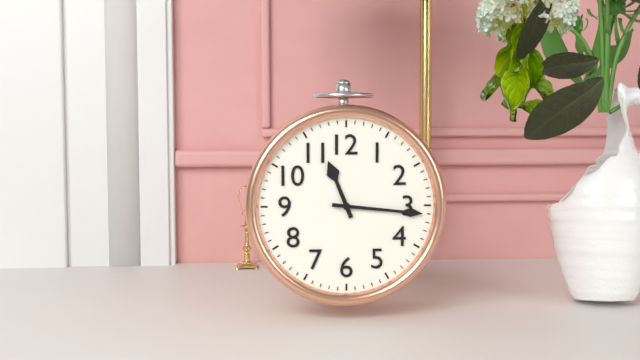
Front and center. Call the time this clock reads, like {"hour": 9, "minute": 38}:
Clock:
{"hour": 11, "minute": 16}
